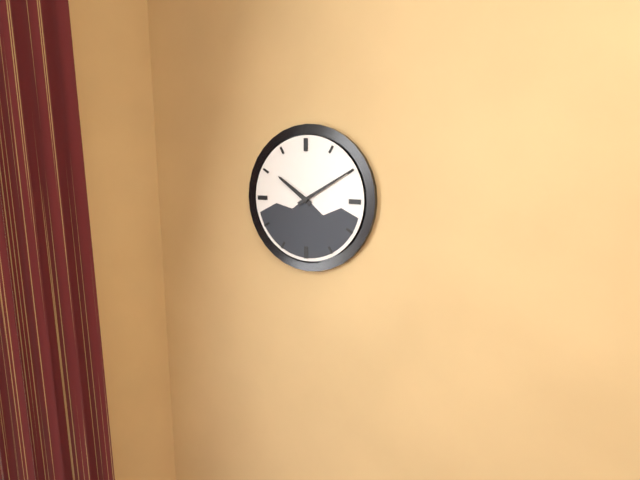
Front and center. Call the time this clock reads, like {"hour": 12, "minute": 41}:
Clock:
{"hour": 10, "minute": 10}
